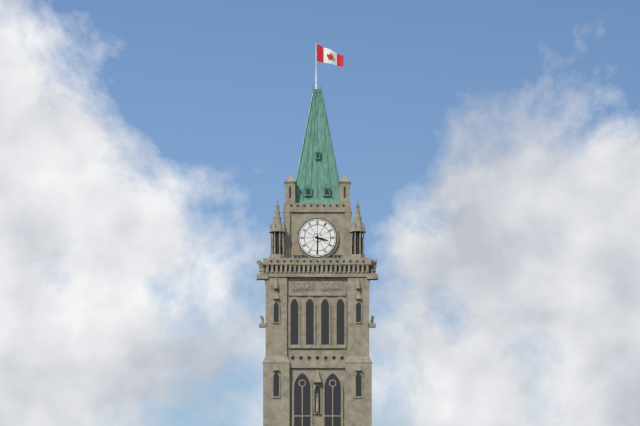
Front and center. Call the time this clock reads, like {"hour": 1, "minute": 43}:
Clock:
{"hour": 3, "minute": 30}
